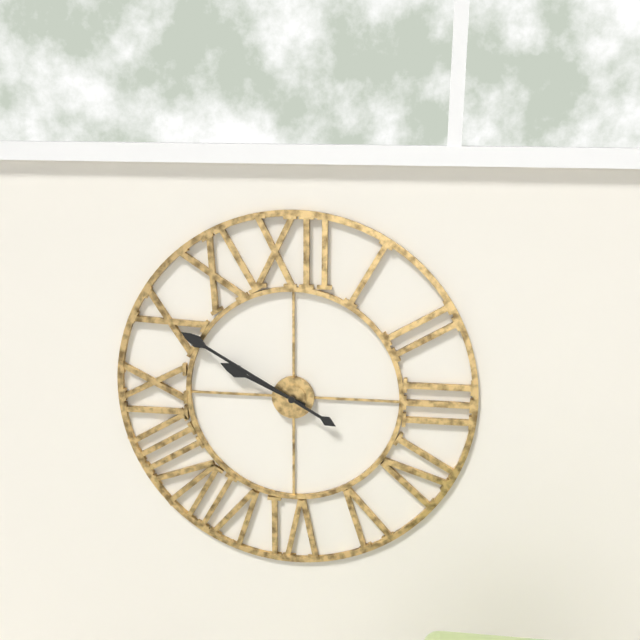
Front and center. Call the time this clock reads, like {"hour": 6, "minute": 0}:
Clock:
{"hour": 9, "minute": 50}
